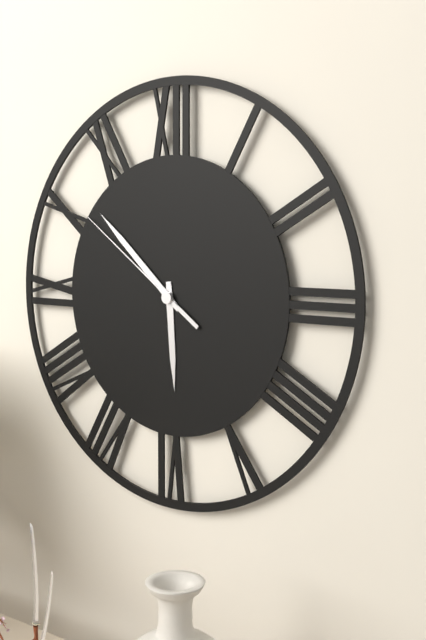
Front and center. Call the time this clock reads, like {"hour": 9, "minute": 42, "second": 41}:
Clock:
{"hour": 5, "minute": 52, "second": 51}
